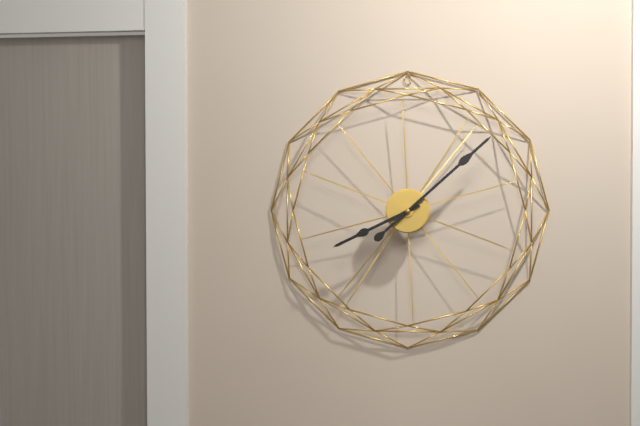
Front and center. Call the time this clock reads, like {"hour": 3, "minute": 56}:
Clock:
{"hour": 8, "minute": 8}
